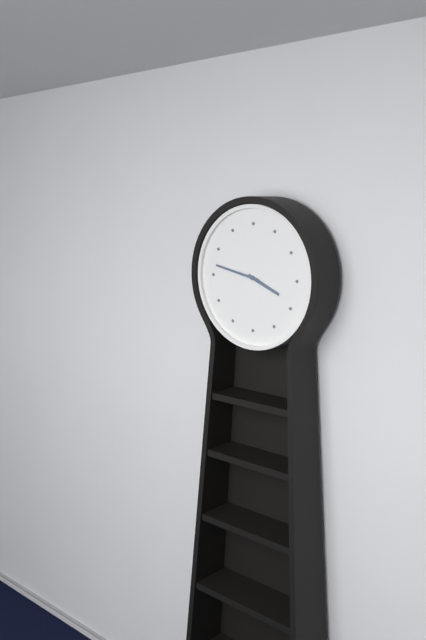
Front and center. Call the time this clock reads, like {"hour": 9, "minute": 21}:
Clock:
{"hour": 3, "minute": 47}
